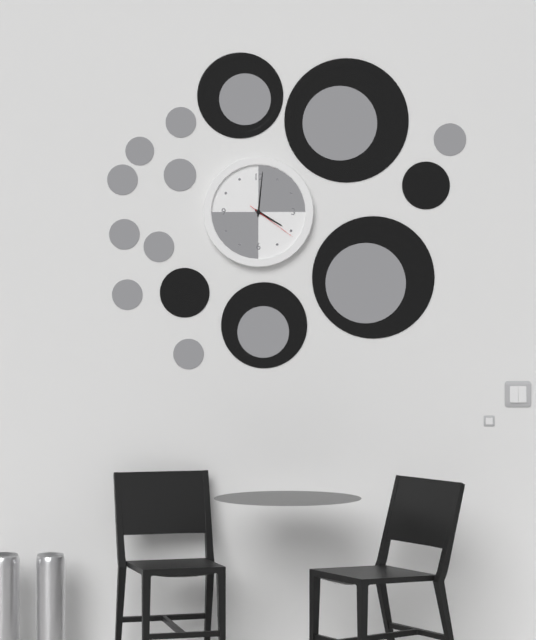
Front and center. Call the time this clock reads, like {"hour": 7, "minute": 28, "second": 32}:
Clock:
{"hour": 4, "minute": 1, "second": 21}
